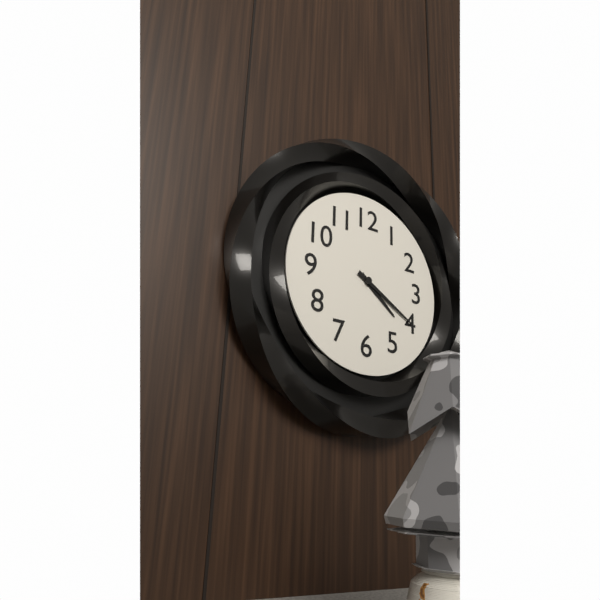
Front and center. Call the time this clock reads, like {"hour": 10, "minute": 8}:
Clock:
{"hour": 4, "minute": 20}
